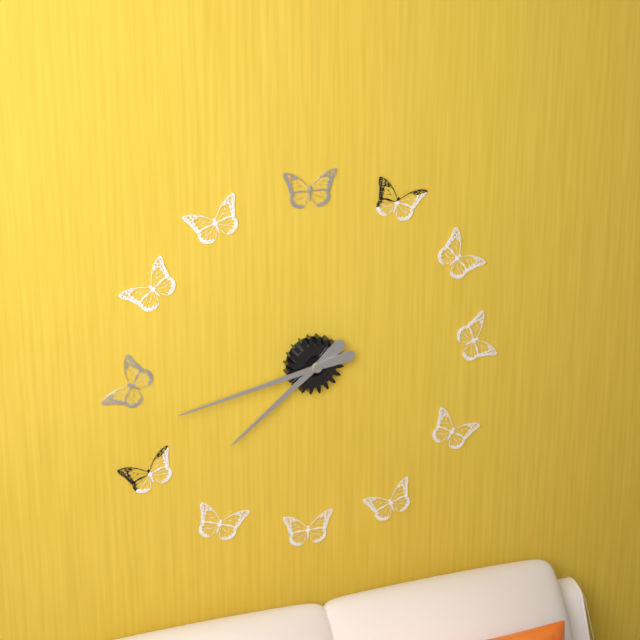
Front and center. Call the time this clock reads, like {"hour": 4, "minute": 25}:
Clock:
{"hour": 7, "minute": 43}
